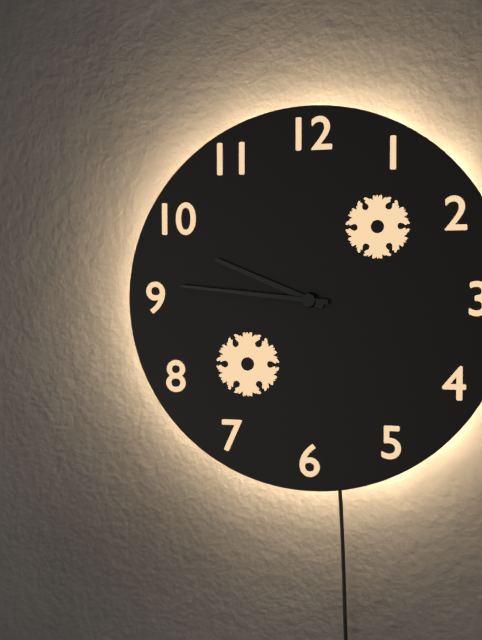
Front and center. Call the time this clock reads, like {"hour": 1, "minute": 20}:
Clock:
{"hour": 9, "minute": 46}
